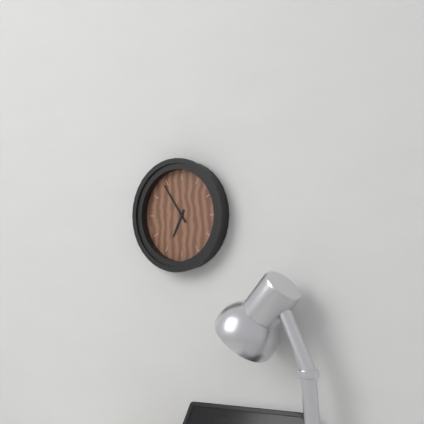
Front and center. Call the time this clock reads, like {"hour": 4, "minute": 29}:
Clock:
{"hour": 6, "minute": 54}
